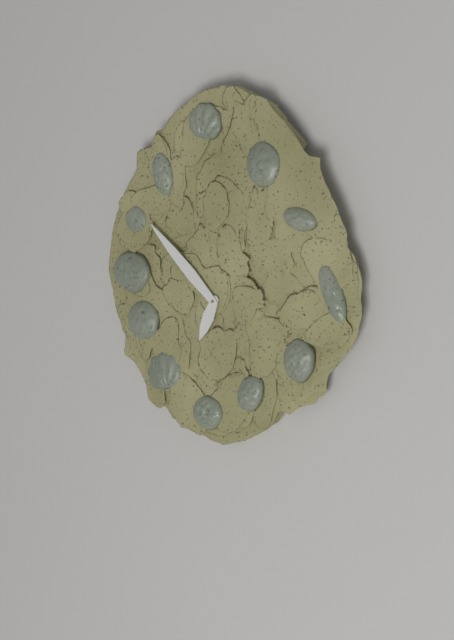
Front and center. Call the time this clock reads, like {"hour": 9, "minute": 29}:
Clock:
{"hour": 6, "minute": 52}
